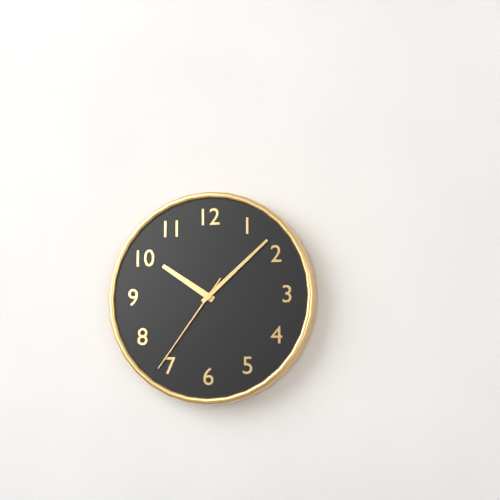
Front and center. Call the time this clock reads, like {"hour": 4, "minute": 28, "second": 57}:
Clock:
{"hour": 10, "minute": 8, "second": 36}
